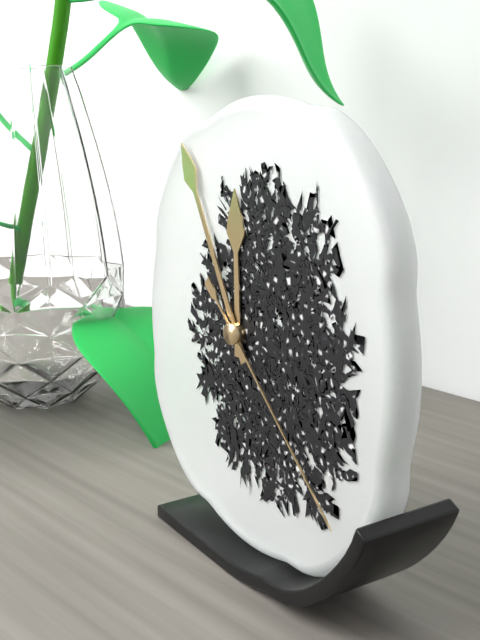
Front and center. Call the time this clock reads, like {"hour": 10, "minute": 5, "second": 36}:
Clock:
{"hour": 11, "minute": 55, "second": 22}
